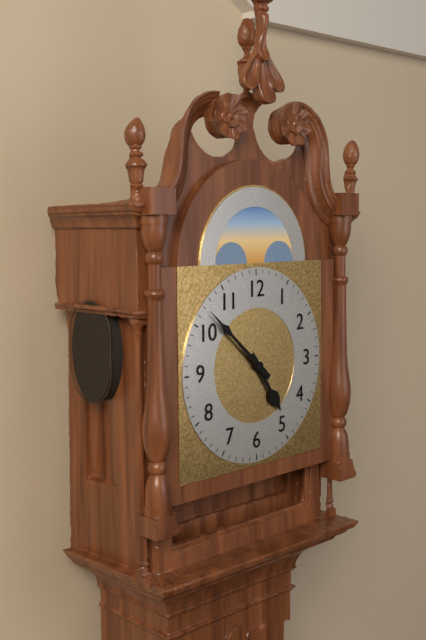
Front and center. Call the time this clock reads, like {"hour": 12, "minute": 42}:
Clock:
{"hour": 4, "minute": 52}
